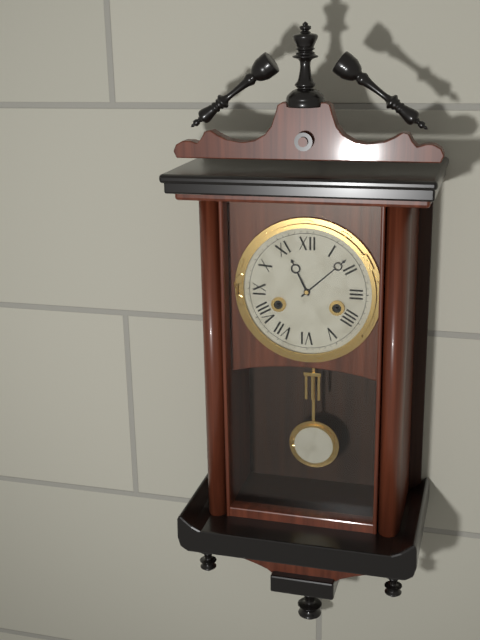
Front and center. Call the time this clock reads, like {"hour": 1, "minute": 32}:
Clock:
{"hour": 11, "minute": 8}
